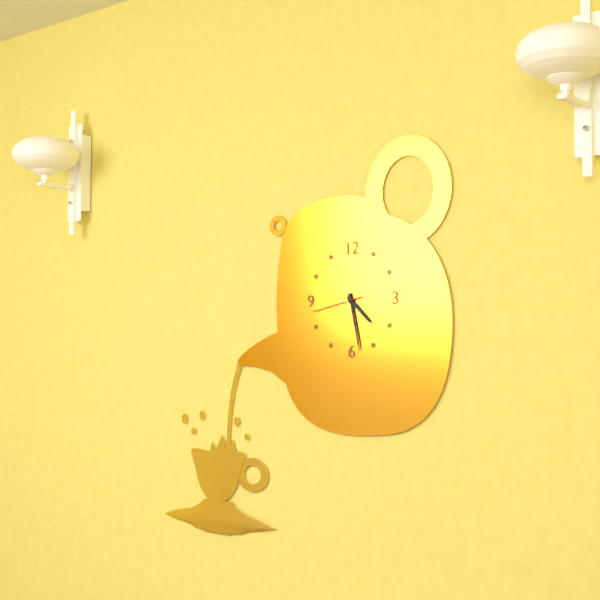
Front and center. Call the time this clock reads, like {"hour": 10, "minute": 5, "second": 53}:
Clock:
{"hour": 4, "minute": 28, "second": 43}
